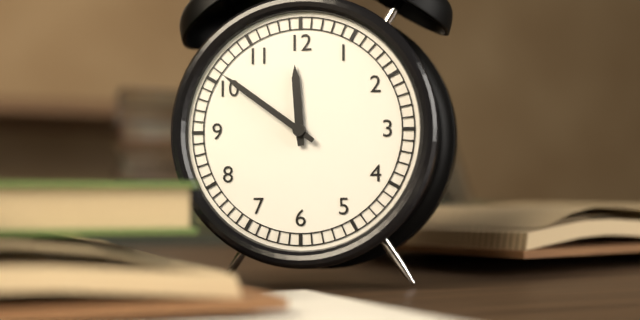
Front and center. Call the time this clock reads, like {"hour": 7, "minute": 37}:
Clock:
{"hour": 11, "minute": 51}
